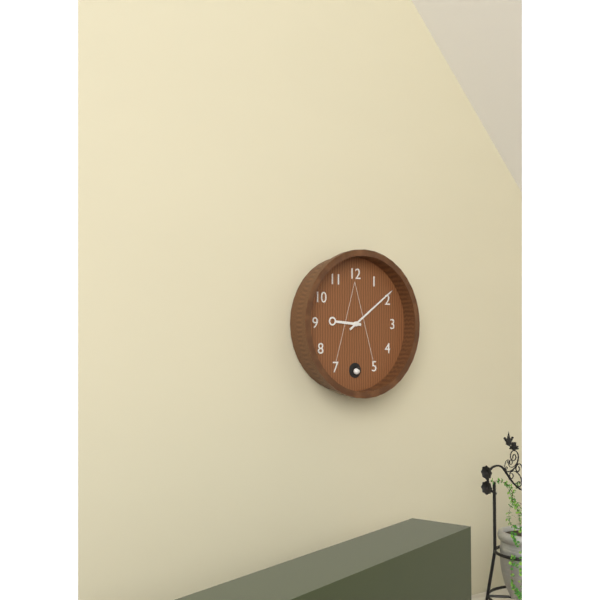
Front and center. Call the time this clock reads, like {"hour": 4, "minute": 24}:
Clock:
{"hour": 9, "minute": 9}
